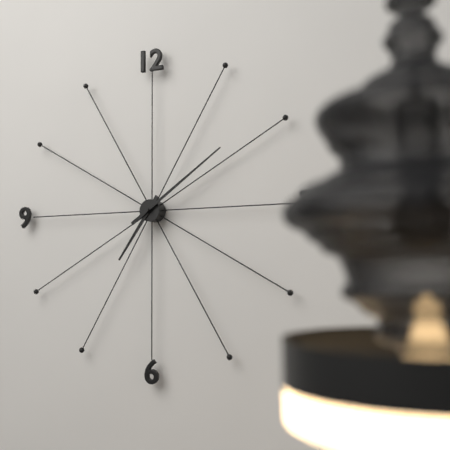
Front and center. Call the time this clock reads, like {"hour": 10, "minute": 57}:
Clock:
{"hour": 7, "minute": 9}
